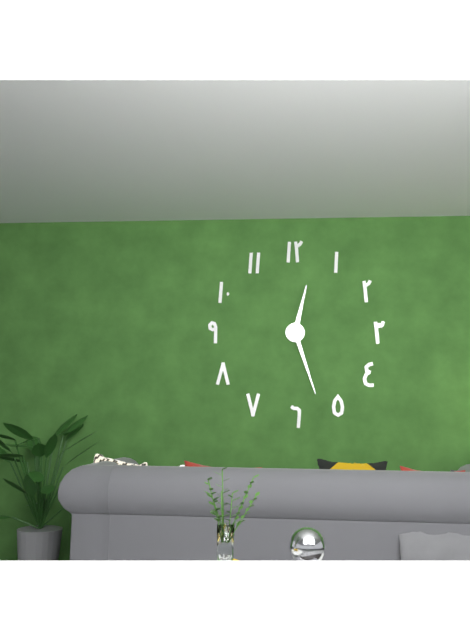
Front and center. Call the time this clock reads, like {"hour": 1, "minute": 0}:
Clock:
{"hour": 12, "minute": 27}
